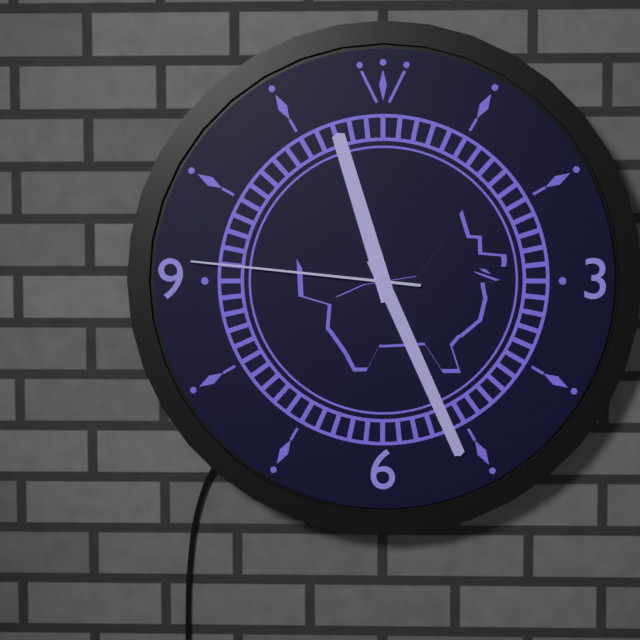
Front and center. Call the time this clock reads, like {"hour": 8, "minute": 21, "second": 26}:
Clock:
{"hour": 11, "minute": 26, "second": 46}
